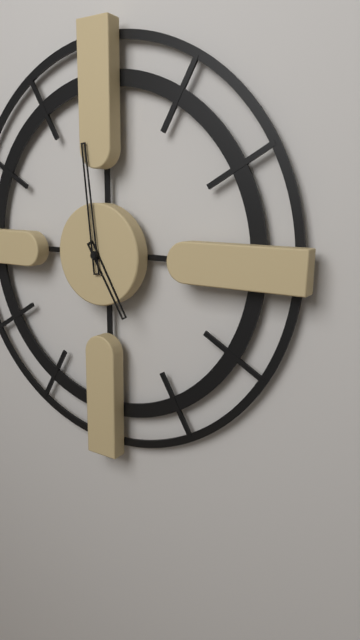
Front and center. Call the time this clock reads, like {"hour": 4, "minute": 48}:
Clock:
{"hour": 4, "minute": 59}
